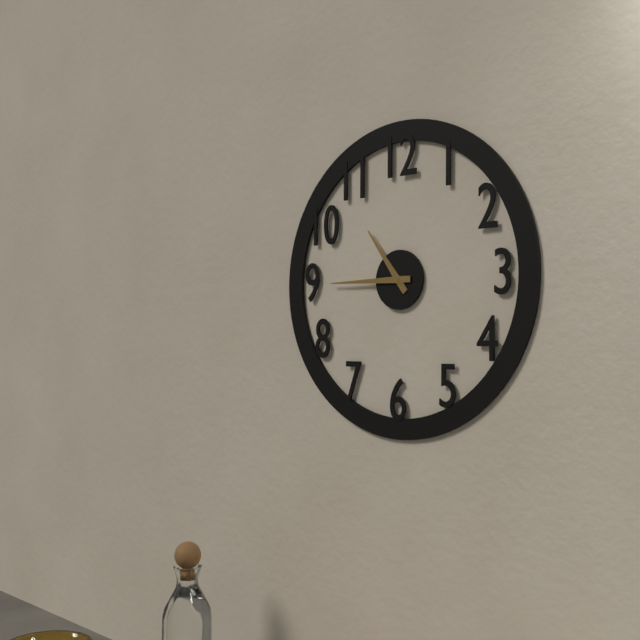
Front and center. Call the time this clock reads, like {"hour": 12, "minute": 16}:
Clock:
{"hour": 10, "minute": 45}
